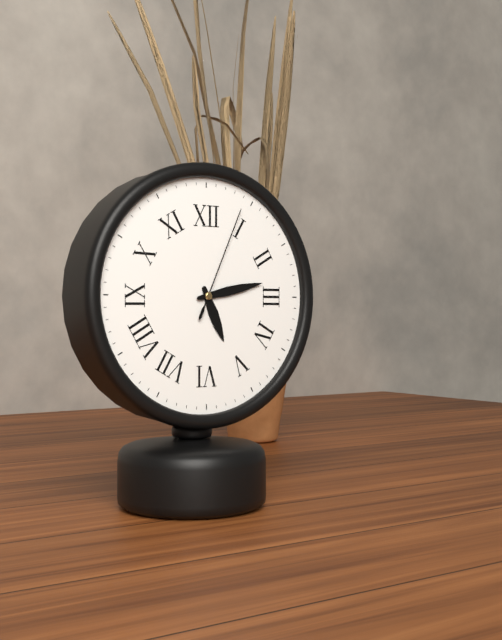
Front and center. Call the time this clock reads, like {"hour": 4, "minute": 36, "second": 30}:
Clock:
{"hour": 5, "minute": 13, "second": 4}
